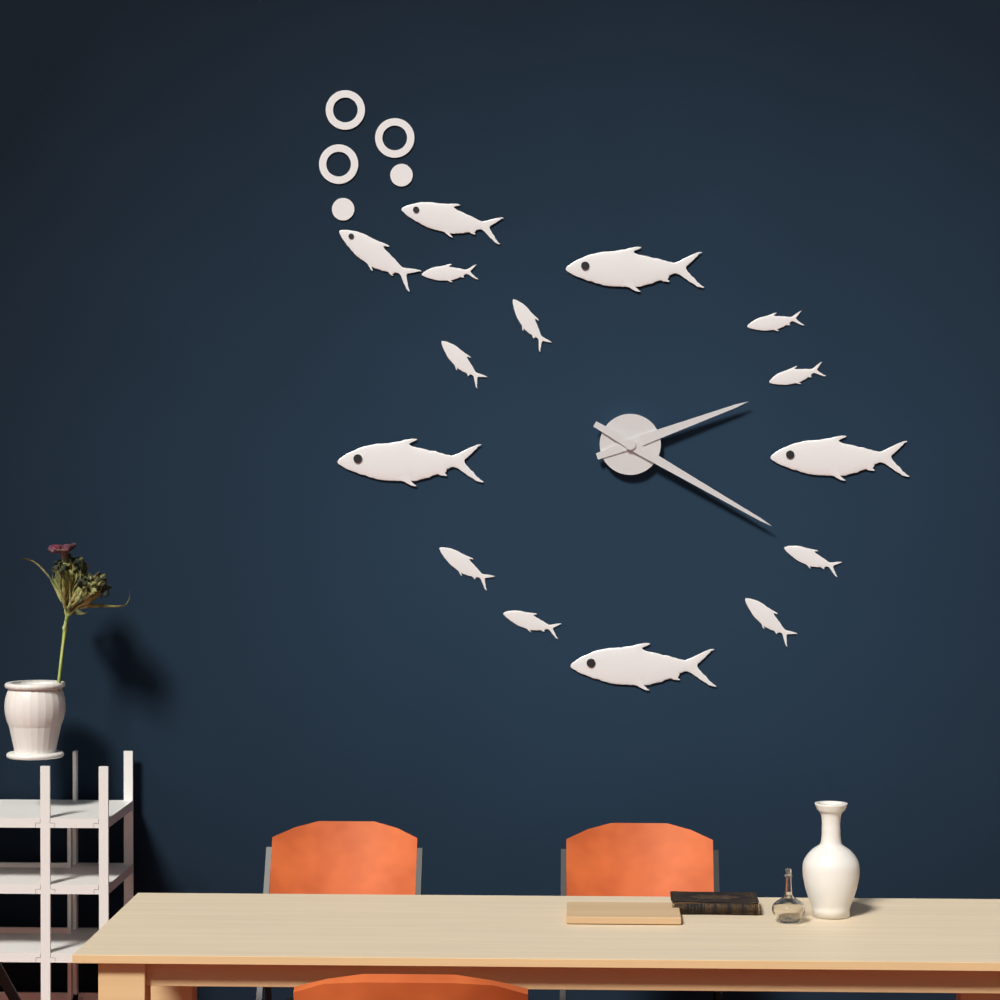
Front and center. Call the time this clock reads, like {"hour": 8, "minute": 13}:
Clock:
{"hour": 2, "minute": 20}
